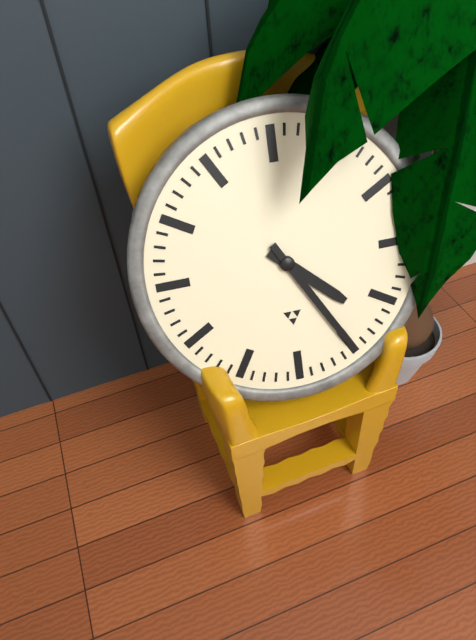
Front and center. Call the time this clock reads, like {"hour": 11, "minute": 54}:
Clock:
{"hour": 4, "minute": 25}
